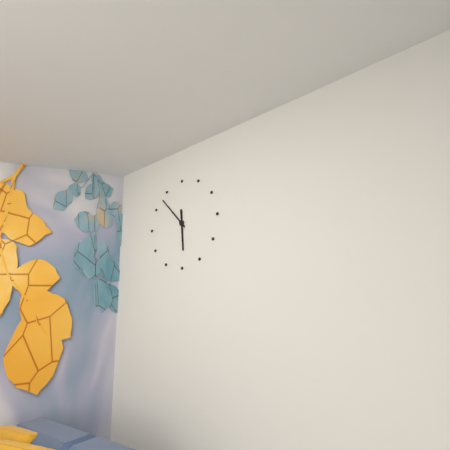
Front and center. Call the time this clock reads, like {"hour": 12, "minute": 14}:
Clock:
{"hour": 5, "minute": 53}
